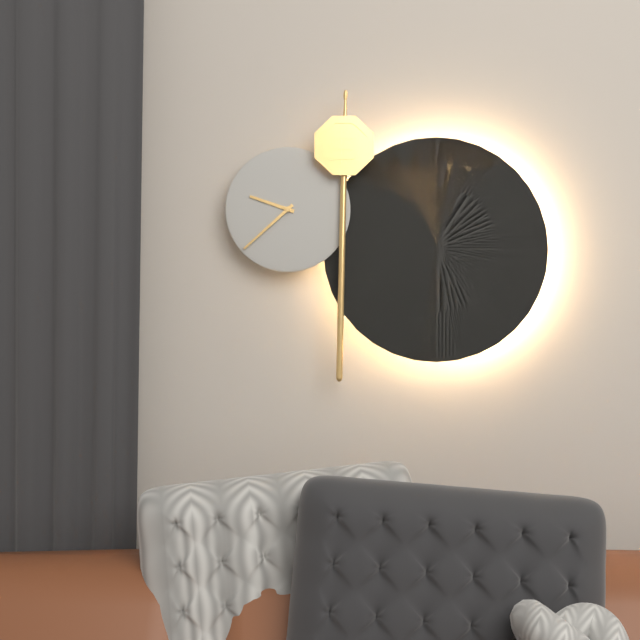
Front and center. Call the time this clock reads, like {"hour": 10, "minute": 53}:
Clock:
{"hour": 9, "minute": 38}
